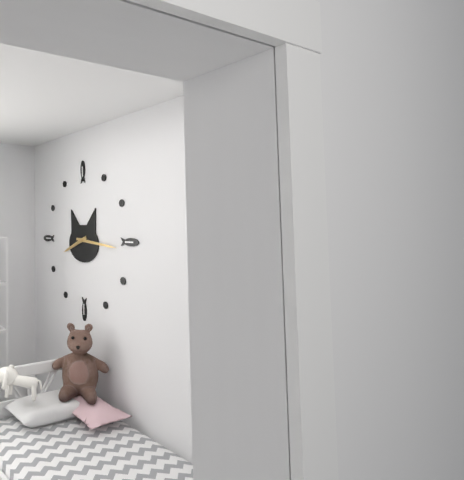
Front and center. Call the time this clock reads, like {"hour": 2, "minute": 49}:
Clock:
{"hour": 8, "minute": 16}
